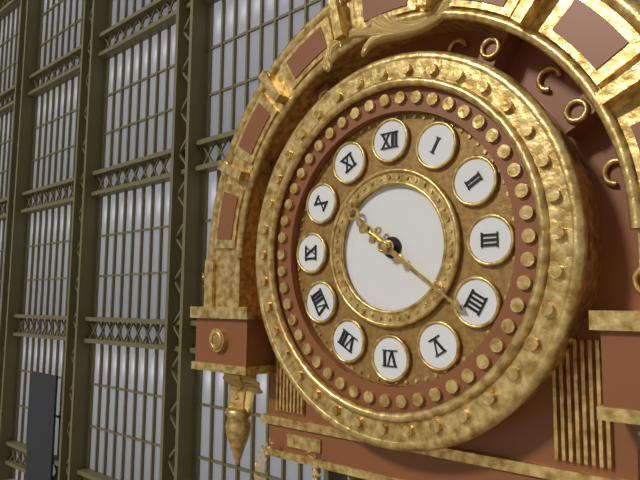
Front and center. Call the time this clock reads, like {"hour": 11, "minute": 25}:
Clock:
{"hour": 10, "minute": 21}
